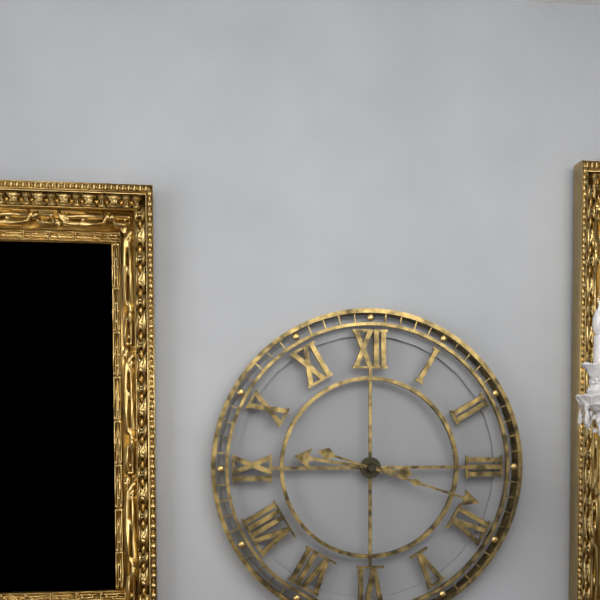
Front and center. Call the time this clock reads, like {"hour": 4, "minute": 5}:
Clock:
{"hour": 9, "minute": 18}
